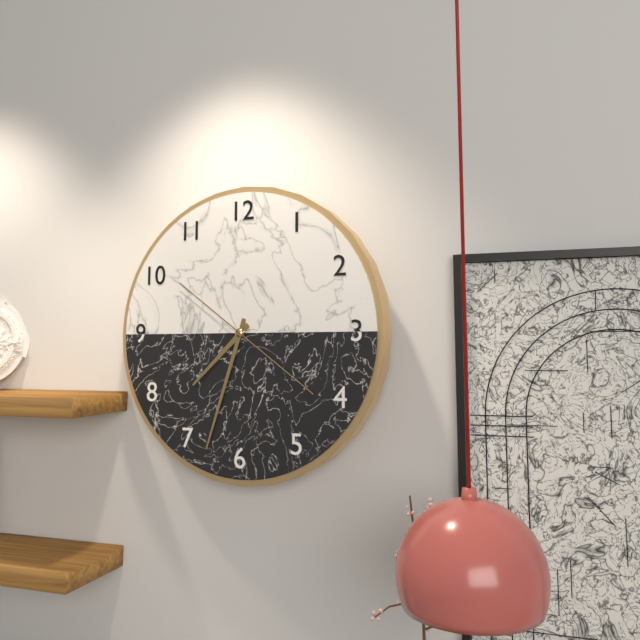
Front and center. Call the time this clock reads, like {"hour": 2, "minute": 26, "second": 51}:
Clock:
{"hour": 7, "minute": 33, "second": 21}
